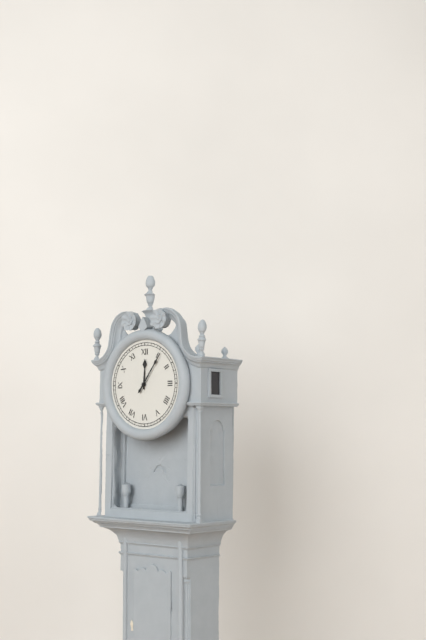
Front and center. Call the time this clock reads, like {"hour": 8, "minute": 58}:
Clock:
{"hour": 12, "minute": 6}
